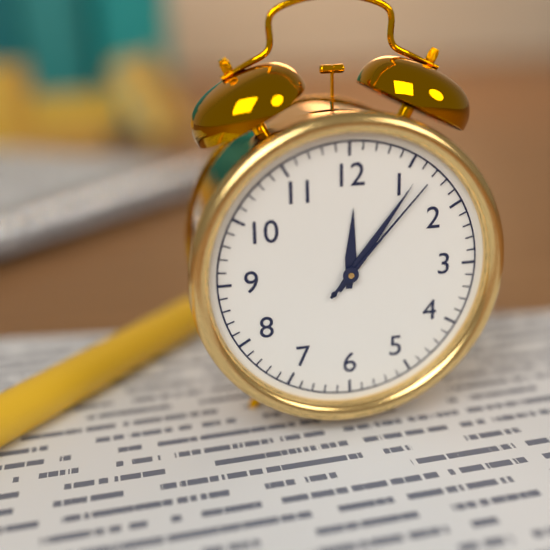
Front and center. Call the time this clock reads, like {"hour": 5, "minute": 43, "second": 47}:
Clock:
{"hour": 12, "minute": 6, "second": 7}
